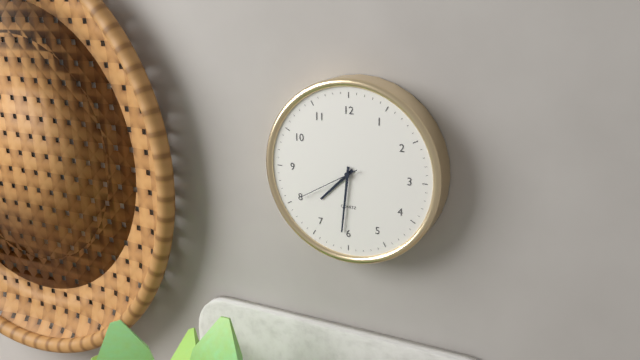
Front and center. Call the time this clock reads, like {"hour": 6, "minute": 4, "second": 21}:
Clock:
{"hour": 7, "minute": 31, "second": 40}
